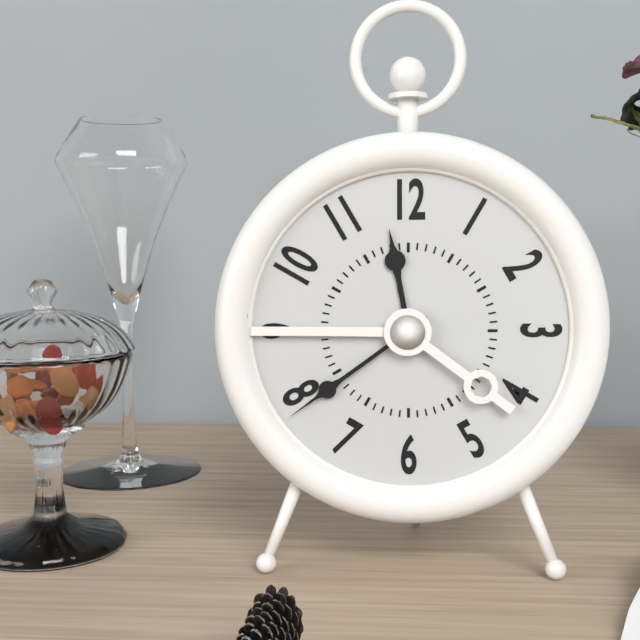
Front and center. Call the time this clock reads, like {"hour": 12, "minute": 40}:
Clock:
{"hour": 11, "minute": 39}
